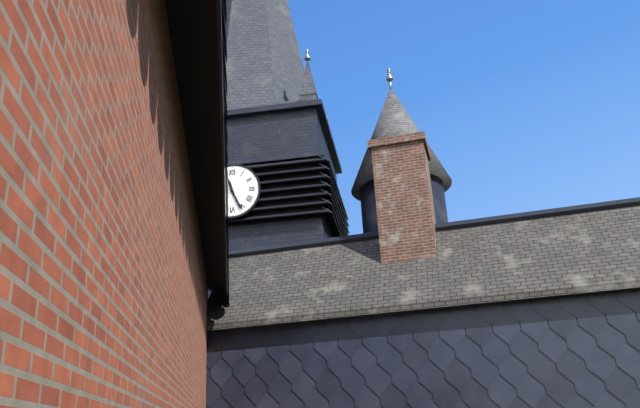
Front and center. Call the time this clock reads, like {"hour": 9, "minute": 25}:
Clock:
{"hour": 11, "minute": 26}
